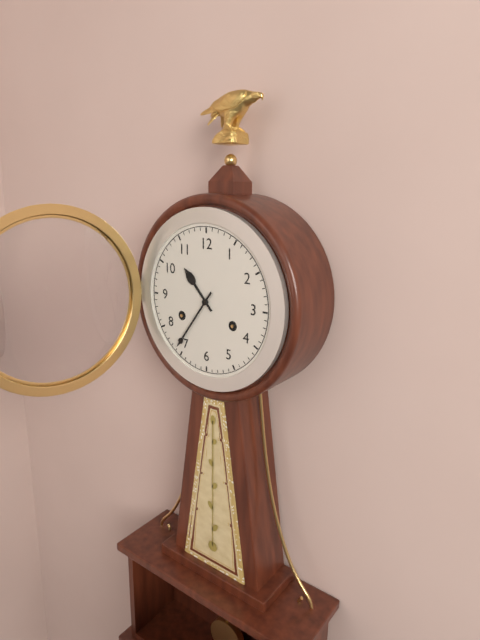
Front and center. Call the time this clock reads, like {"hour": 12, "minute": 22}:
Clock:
{"hour": 10, "minute": 36}
